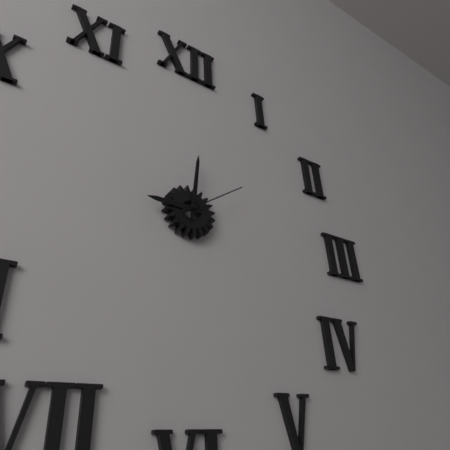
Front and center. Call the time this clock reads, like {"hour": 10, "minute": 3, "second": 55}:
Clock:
{"hour": 9, "minute": 1, "second": 9}
